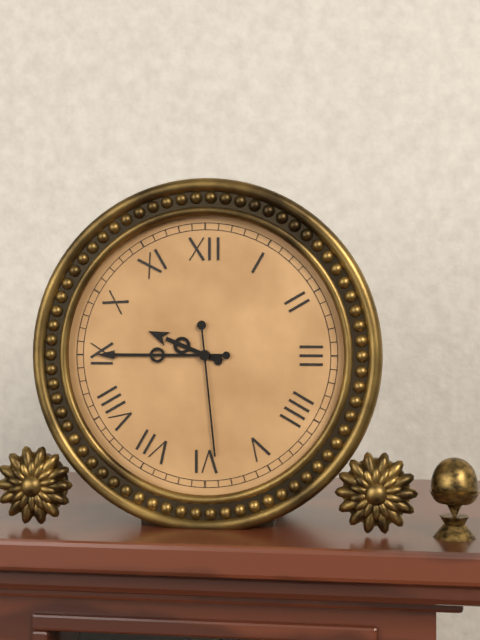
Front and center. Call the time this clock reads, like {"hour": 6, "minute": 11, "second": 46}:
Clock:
{"hour": 9, "minute": 45, "second": 29}
